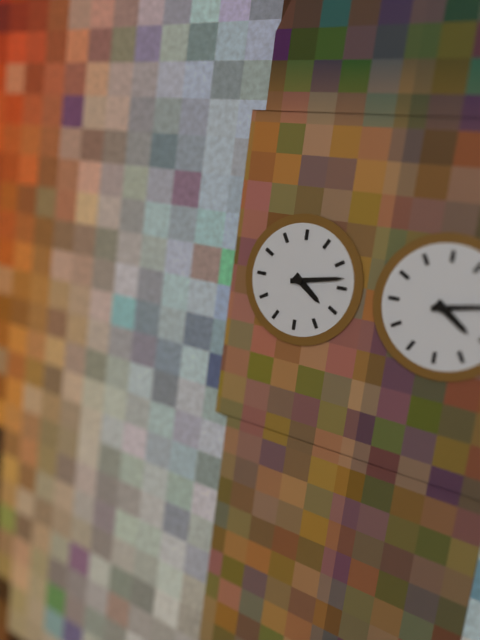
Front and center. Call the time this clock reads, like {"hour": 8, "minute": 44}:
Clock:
{"hour": 4, "minute": 13}
